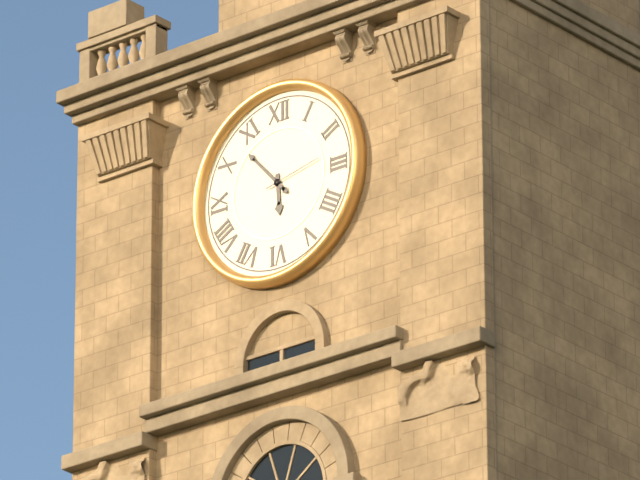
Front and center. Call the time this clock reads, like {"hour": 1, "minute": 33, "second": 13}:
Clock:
{"hour": 5, "minute": 53, "second": 13}
